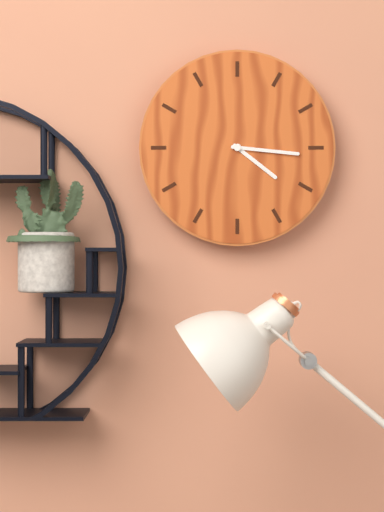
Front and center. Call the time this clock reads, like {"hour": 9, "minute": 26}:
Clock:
{"hour": 4, "minute": 16}
